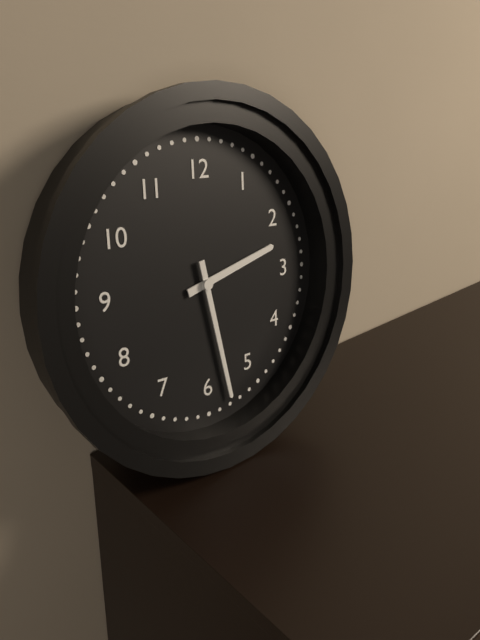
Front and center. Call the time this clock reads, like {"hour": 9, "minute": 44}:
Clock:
{"hour": 2, "minute": 28}
